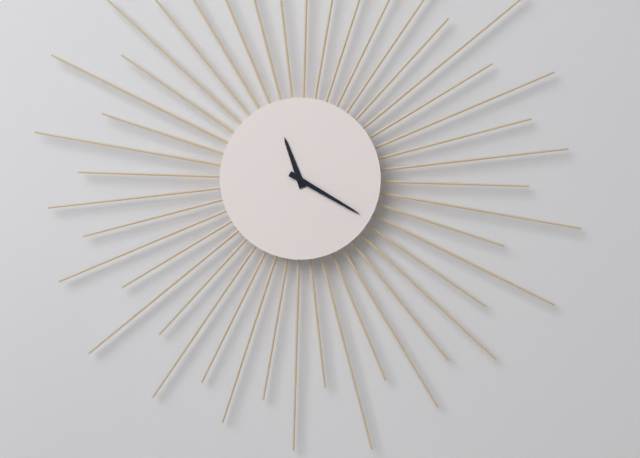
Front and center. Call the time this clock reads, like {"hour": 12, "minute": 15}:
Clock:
{"hour": 11, "minute": 20}
